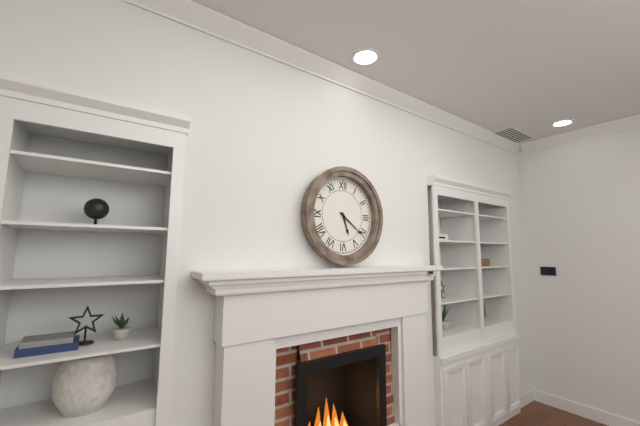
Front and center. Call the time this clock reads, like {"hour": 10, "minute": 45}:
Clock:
{"hour": 5, "minute": 21}
